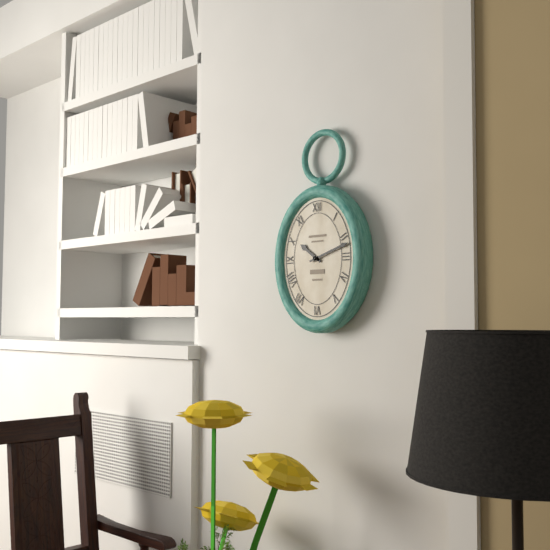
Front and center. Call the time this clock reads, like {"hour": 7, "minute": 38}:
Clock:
{"hour": 10, "minute": 12}
